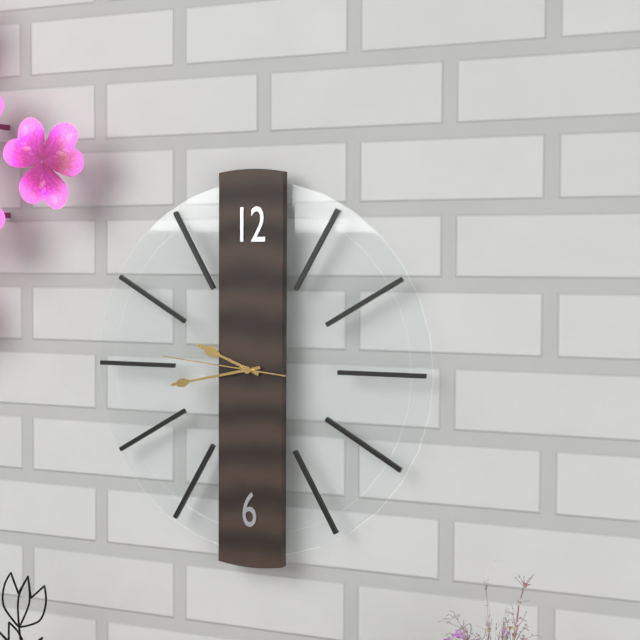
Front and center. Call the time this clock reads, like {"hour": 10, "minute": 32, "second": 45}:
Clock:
{"hour": 9, "minute": 43, "second": 46}
